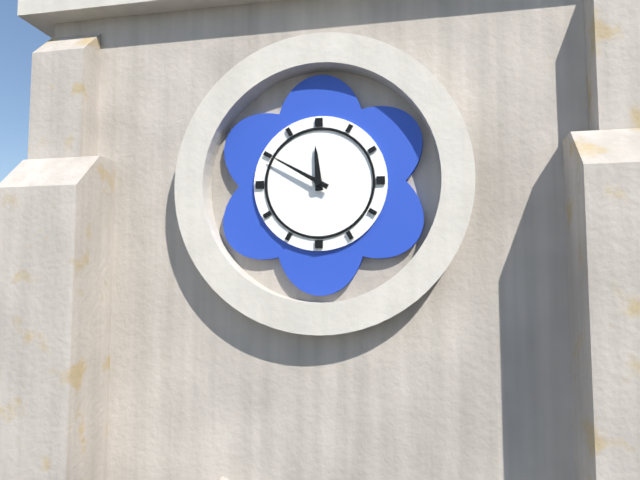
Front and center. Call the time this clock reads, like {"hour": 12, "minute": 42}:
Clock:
{"hour": 11, "minute": 50}
